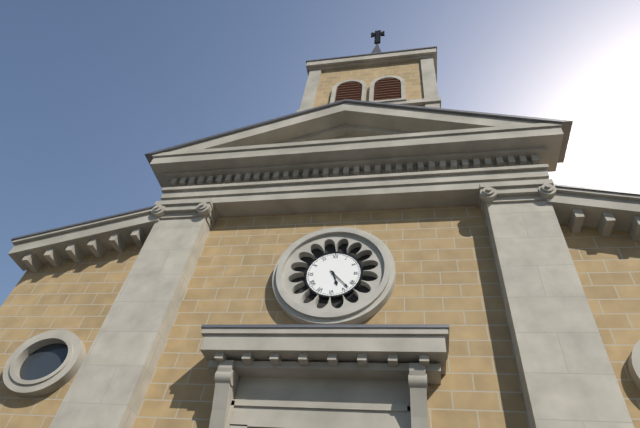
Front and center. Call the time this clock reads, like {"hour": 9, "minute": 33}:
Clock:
{"hour": 5, "minute": 23}
